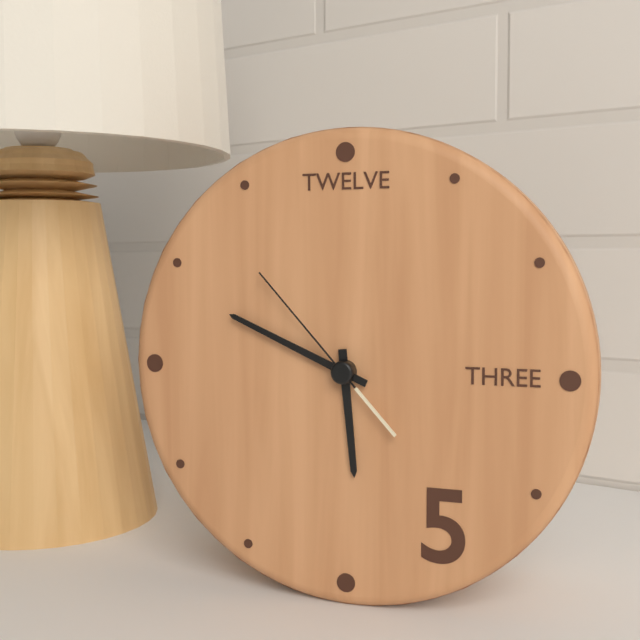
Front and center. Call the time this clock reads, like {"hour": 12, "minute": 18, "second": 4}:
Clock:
{"hour": 5, "minute": 49, "second": 53}
